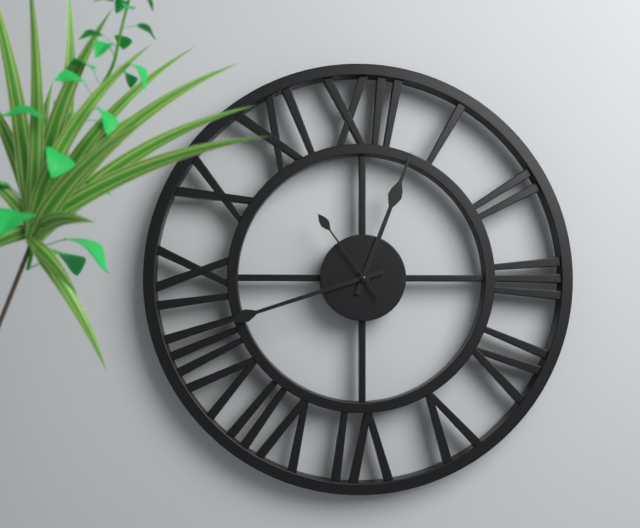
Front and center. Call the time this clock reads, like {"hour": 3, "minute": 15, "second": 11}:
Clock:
{"hour": 12, "minute": 42, "second": 54}
